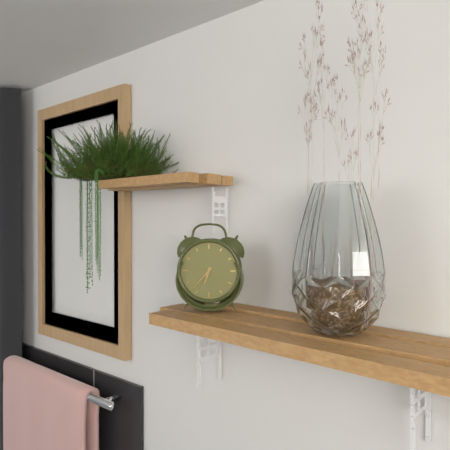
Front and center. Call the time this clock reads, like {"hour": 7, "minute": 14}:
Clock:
{"hour": 6, "minute": 37}
